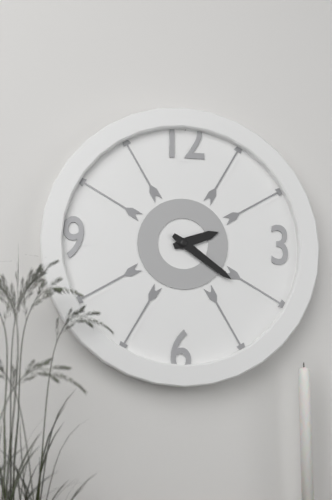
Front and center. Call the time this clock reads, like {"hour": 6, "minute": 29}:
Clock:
{"hour": 2, "minute": 21}
